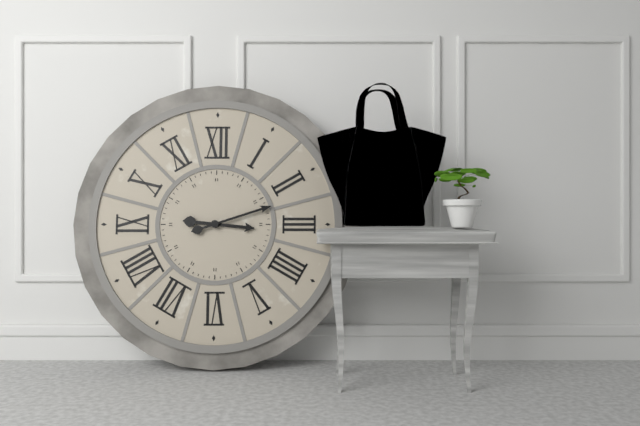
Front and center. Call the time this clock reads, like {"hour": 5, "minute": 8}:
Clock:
{"hour": 3, "minute": 12}
